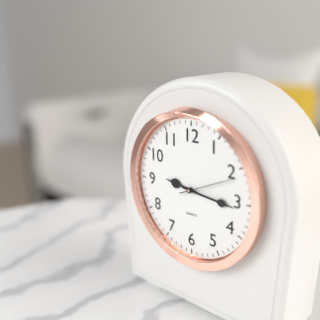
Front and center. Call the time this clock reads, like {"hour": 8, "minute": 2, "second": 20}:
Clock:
{"hour": 9, "minute": 16, "second": 11}
